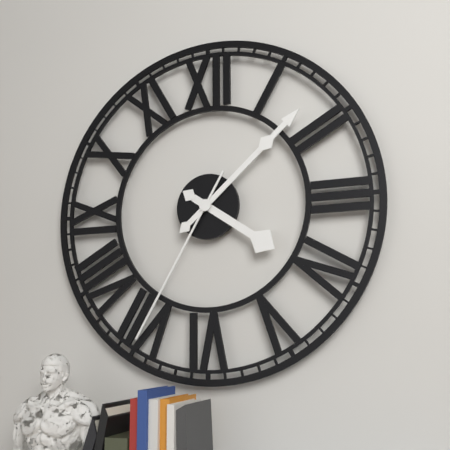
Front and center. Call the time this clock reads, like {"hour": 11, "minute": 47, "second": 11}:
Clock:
{"hour": 4, "minute": 8, "second": 35}
